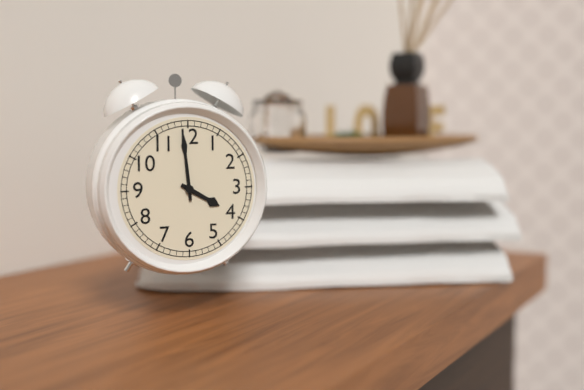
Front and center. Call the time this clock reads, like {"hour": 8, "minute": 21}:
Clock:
{"hour": 3, "minute": 59}
